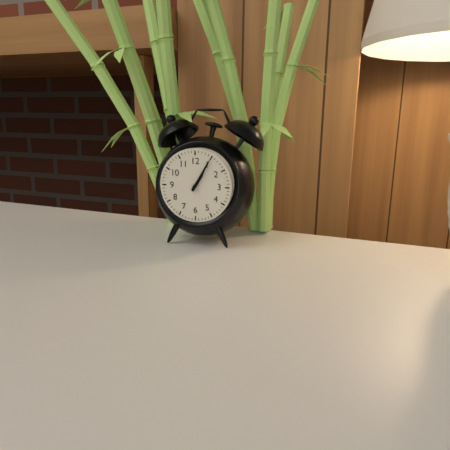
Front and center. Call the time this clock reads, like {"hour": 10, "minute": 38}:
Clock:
{"hour": 1, "minute": 5}
